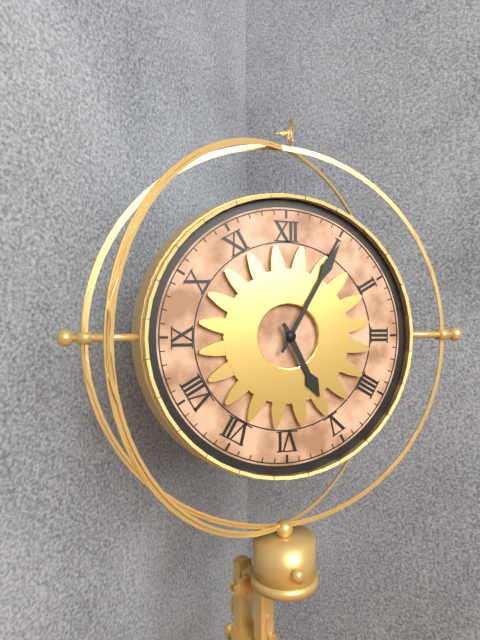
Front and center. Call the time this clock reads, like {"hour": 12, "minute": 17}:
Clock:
{"hour": 5, "minute": 5}
